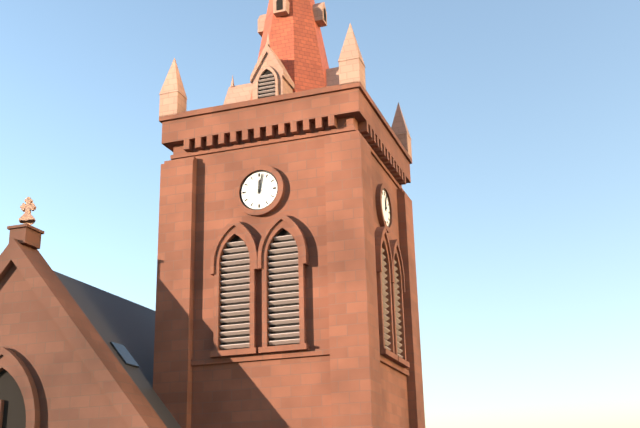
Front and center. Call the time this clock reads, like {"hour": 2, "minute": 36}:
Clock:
{"hour": 12, "minute": 2}
